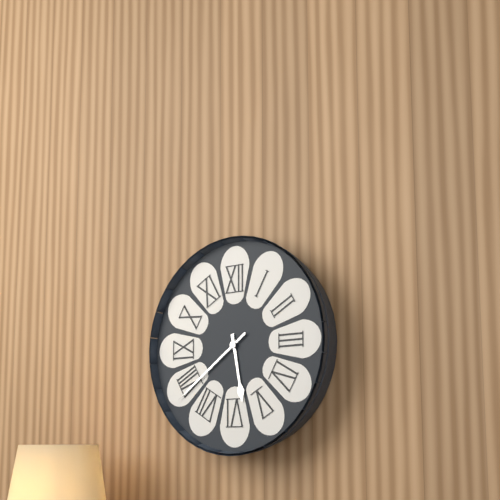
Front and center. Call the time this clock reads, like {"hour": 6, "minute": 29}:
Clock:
{"hour": 5, "minute": 39}
